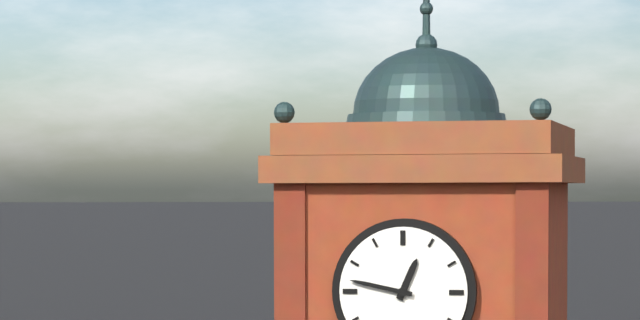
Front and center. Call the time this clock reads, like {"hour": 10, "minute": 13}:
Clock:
{"hour": 12, "minute": 47}
